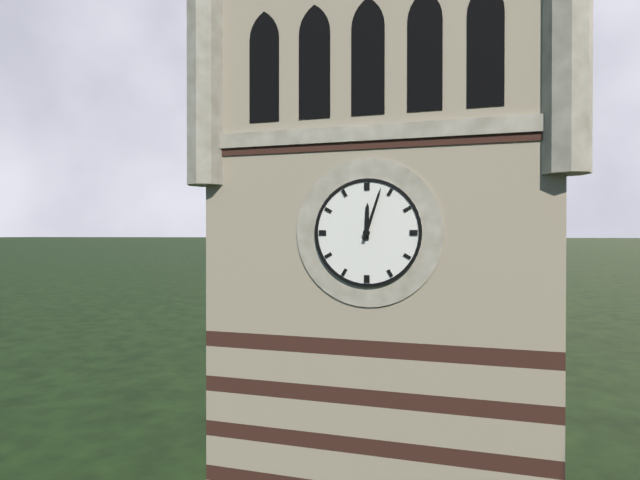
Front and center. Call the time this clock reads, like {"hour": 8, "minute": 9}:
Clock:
{"hour": 12, "minute": 3}
